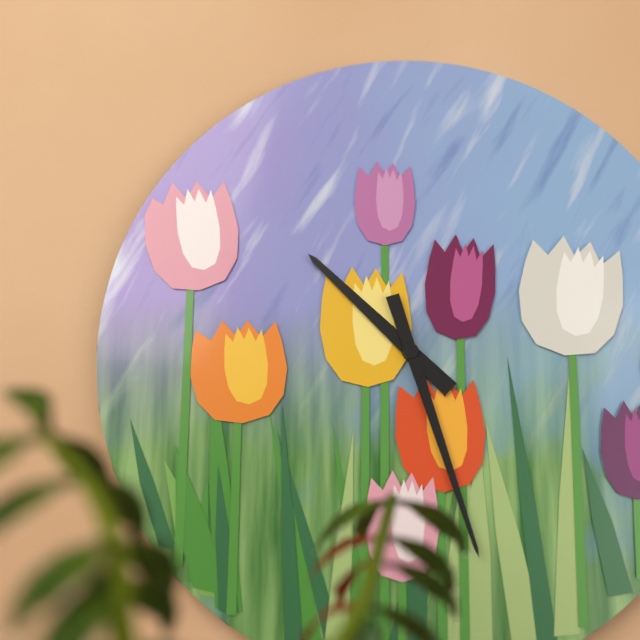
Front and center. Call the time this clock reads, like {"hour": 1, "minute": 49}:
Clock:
{"hour": 10, "minute": 27}
